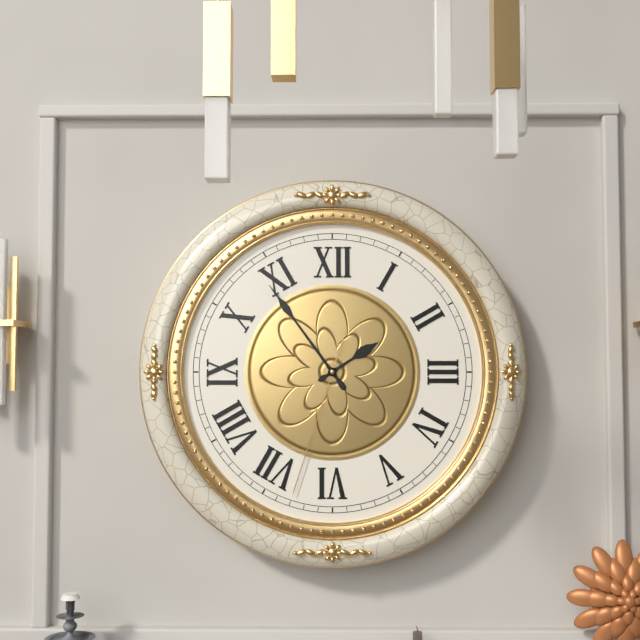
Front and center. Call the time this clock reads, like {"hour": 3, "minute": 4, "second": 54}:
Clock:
{"hour": 1, "minute": 54, "second": 33}
